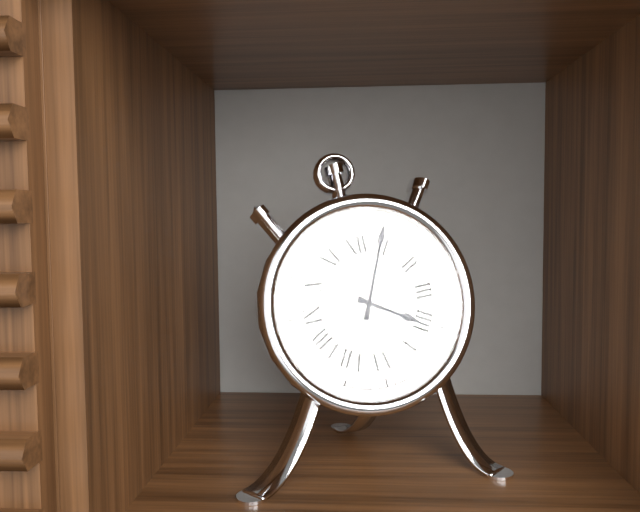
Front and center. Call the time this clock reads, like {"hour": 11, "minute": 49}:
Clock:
{"hour": 4, "minute": 4}
